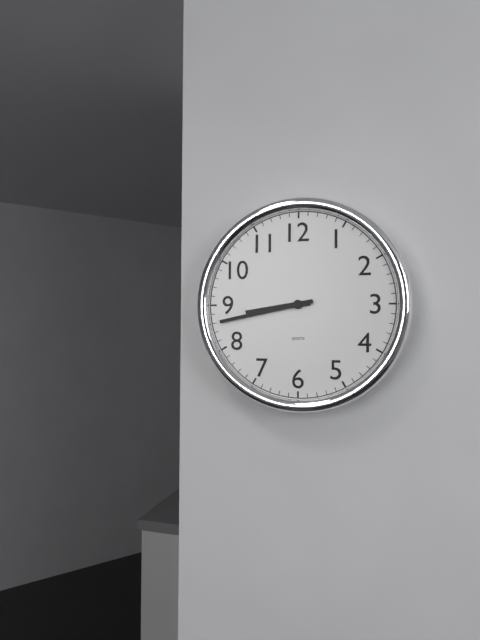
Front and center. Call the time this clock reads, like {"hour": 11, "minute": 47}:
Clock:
{"hour": 8, "minute": 43}
